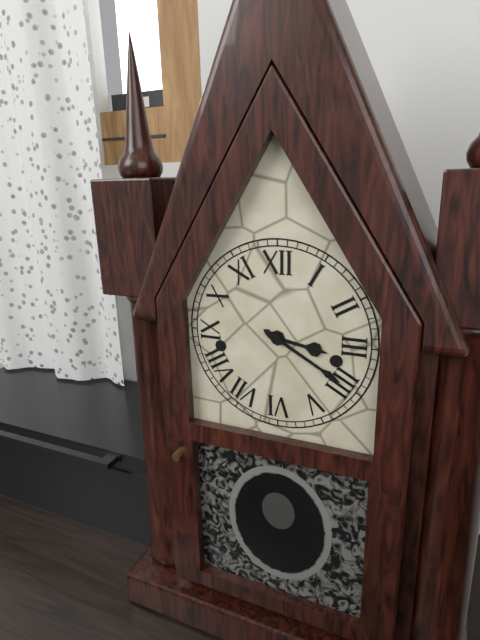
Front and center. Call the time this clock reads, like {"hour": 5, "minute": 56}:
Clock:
{"hour": 3, "minute": 20}
